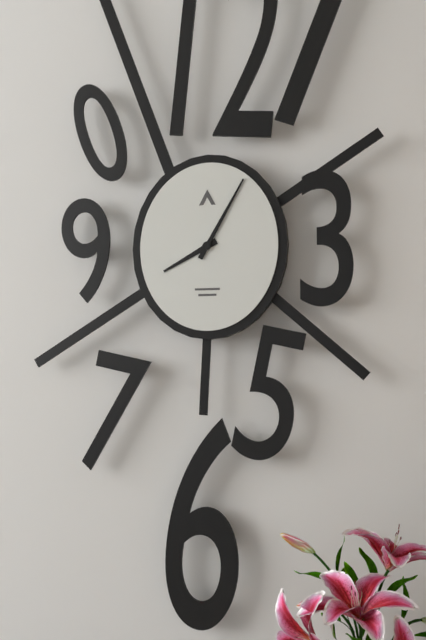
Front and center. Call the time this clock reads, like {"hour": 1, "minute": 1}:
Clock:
{"hour": 8, "minute": 5}
